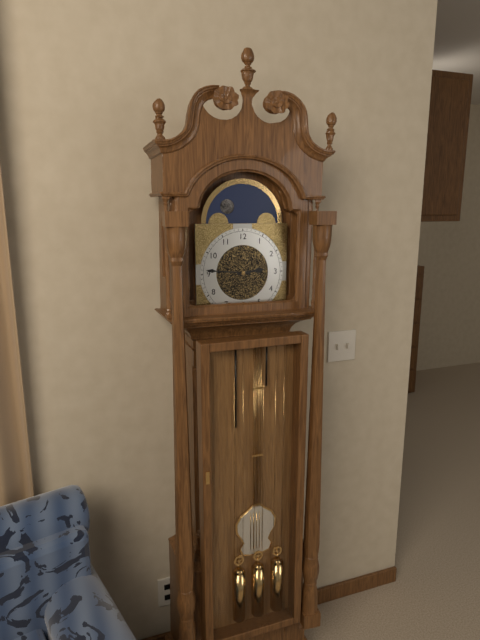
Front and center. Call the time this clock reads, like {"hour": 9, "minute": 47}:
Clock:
{"hour": 2, "minute": 46}
